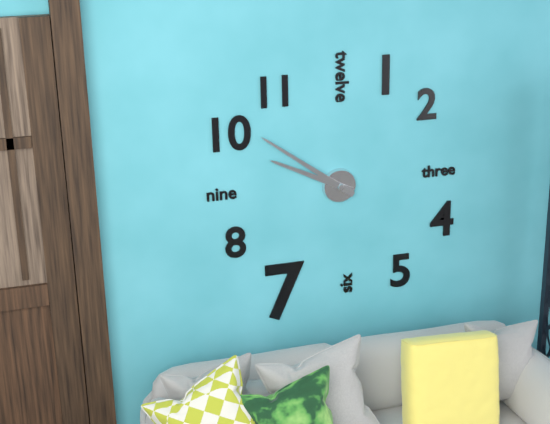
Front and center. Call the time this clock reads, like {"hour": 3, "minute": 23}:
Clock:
{"hour": 9, "minute": 51}
